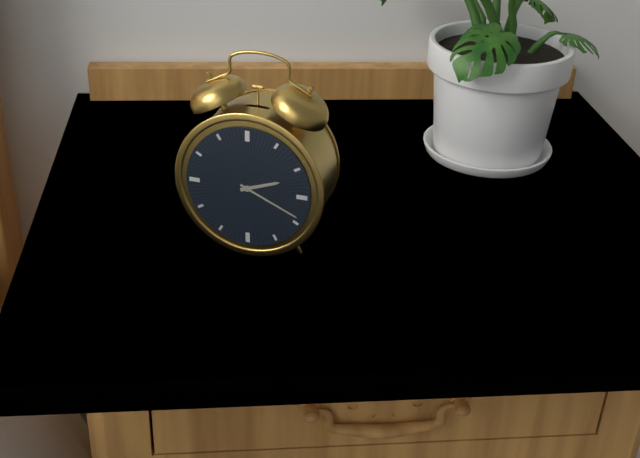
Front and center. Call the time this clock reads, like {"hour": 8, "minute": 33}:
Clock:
{"hour": 2, "minute": 19}
